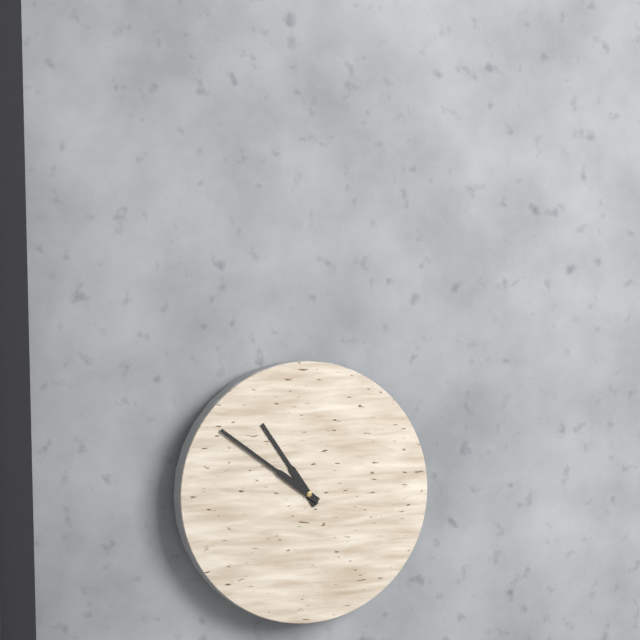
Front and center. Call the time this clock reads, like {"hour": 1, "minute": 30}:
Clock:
{"hour": 10, "minute": 51}
